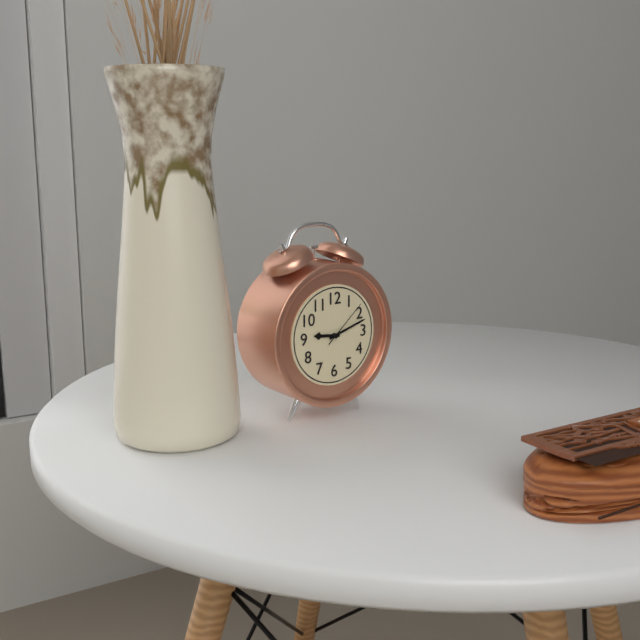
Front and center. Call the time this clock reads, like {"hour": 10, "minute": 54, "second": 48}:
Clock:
{"hour": 9, "minute": 12, "second": 8}
